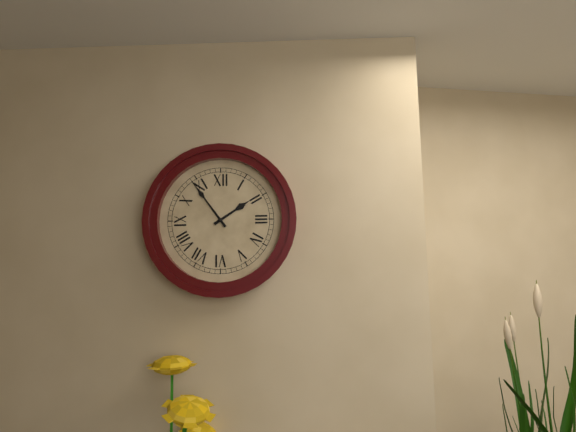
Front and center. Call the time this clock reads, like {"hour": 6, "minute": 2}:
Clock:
{"hour": 1, "minute": 54}
